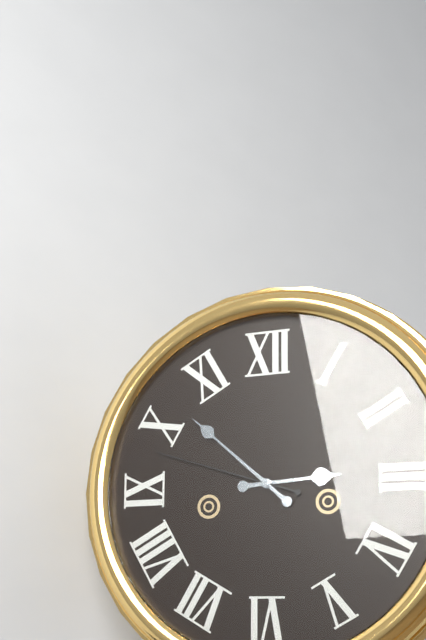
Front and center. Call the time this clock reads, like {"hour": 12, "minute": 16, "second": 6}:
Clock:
{"hour": 2, "minute": 52, "second": 48}
